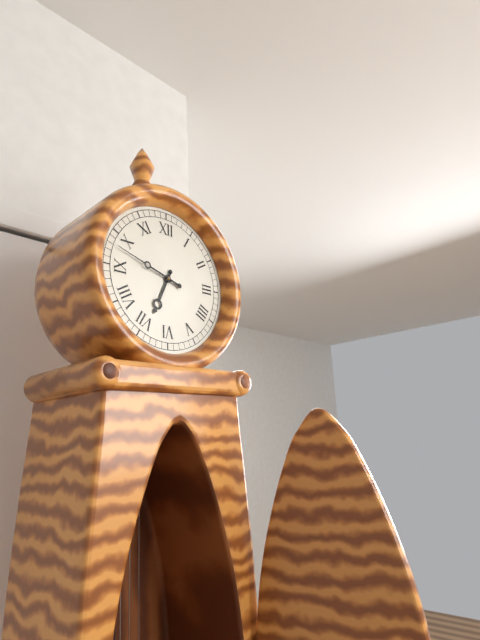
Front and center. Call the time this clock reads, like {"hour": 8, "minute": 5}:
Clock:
{"hour": 6, "minute": 48}
